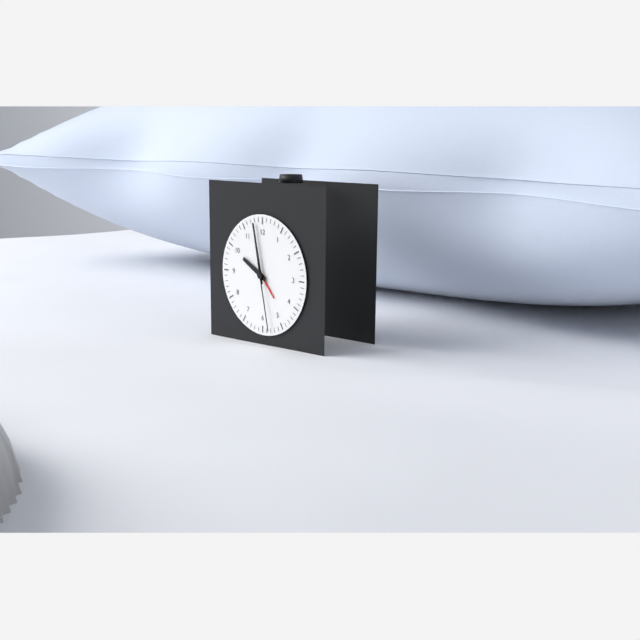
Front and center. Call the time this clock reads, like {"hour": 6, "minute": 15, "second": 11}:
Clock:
{"hour": 9, "minute": 58, "second": 28}
